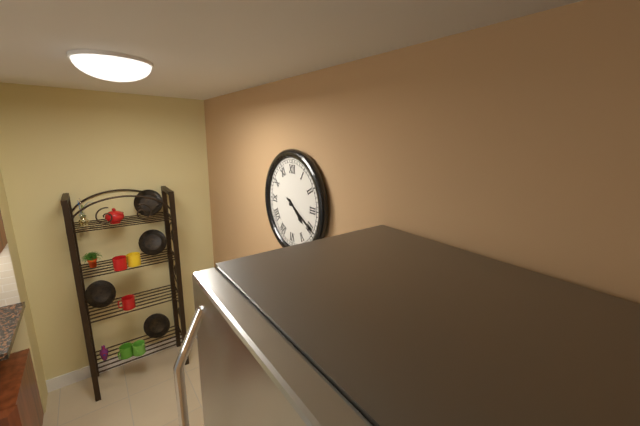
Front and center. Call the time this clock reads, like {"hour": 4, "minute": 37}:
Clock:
{"hour": 4, "minute": 20}
